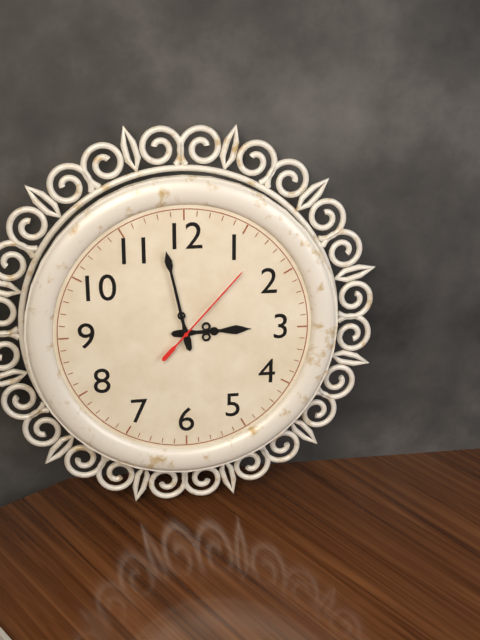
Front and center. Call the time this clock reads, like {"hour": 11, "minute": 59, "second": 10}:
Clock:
{"hour": 2, "minute": 58, "second": 7}
